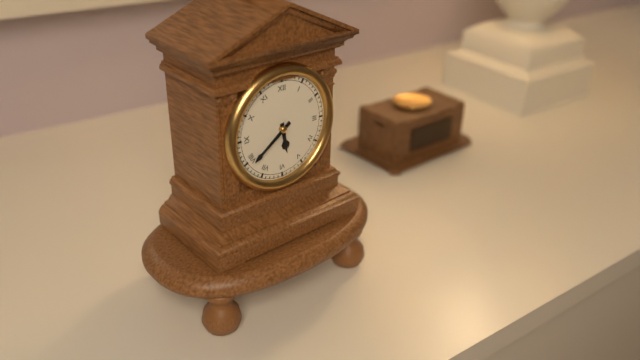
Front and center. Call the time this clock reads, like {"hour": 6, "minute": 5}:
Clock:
{"hour": 5, "minute": 39}
